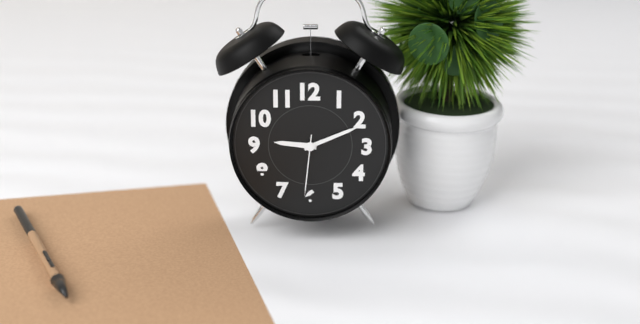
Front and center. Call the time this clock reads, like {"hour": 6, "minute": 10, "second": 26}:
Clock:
{"hour": 9, "minute": 11, "second": 31}
